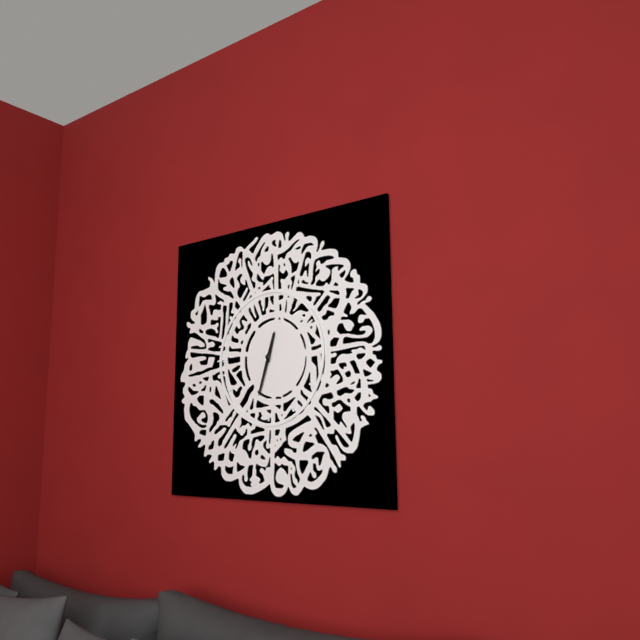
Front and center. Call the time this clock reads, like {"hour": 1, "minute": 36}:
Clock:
{"hour": 12, "minute": 33}
